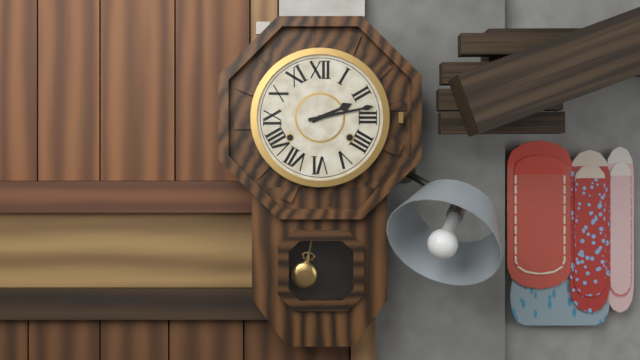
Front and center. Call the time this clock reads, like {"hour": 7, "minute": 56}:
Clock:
{"hour": 2, "minute": 13}
